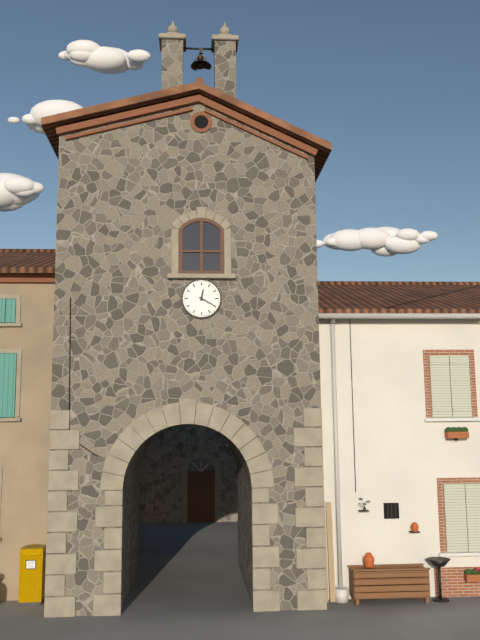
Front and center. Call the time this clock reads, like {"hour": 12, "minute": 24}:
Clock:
{"hour": 12, "minute": 20}
